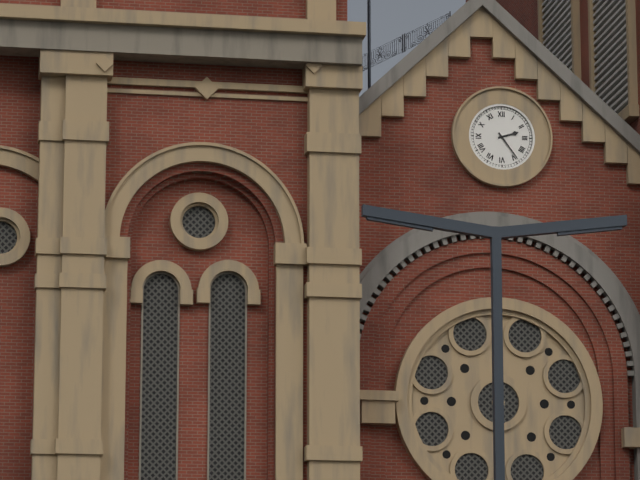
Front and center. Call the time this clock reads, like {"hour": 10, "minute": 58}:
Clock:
{"hour": 2, "minute": 24}
